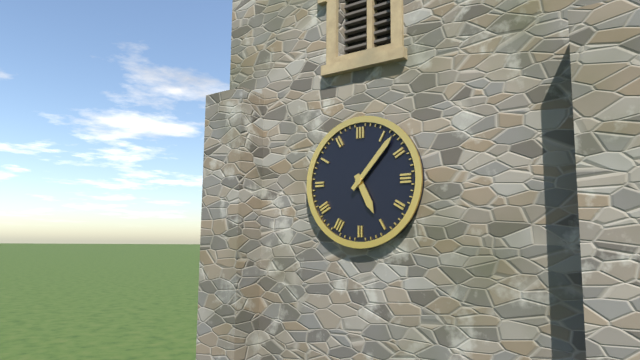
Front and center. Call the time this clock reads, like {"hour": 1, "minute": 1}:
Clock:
{"hour": 5, "minute": 7}
